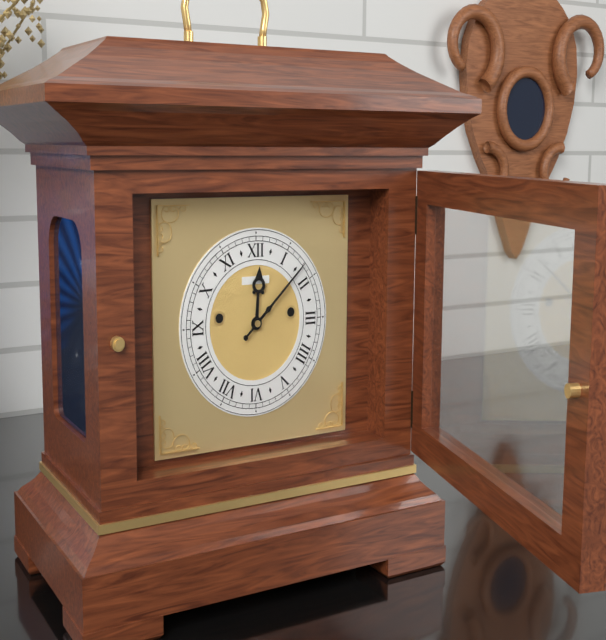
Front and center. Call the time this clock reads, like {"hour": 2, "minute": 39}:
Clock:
{"hour": 12, "minute": 8}
